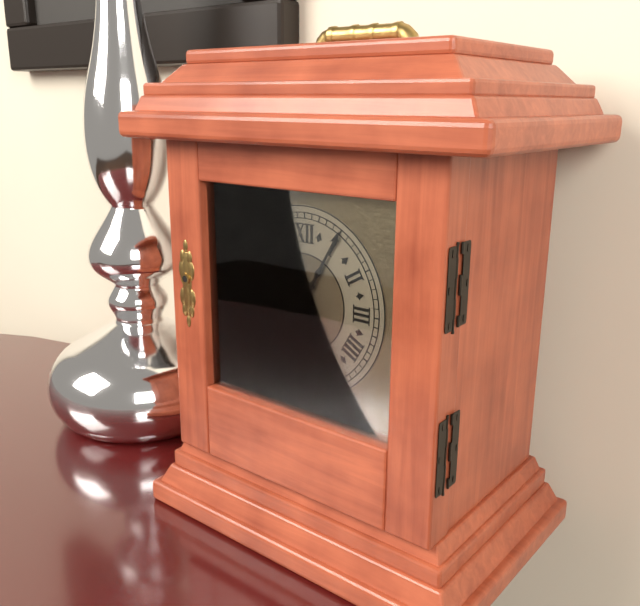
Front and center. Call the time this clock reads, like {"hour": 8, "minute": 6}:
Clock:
{"hour": 9, "minute": 5}
